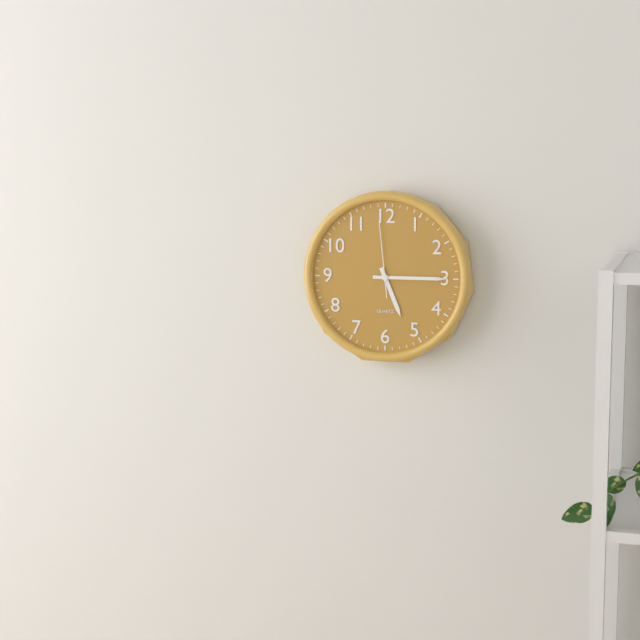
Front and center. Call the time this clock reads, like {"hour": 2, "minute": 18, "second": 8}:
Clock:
{"hour": 5, "minute": 15, "second": 59}
